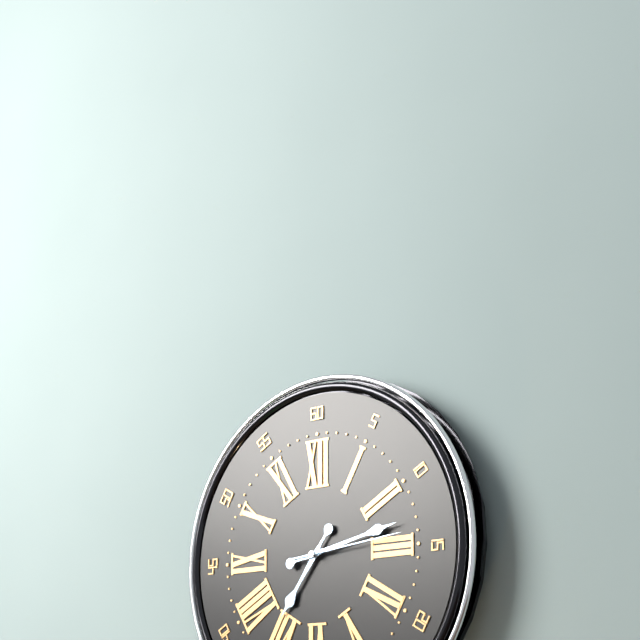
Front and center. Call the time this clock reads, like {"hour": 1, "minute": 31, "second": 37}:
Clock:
{"hour": 7, "minute": 13, "second": 14}
